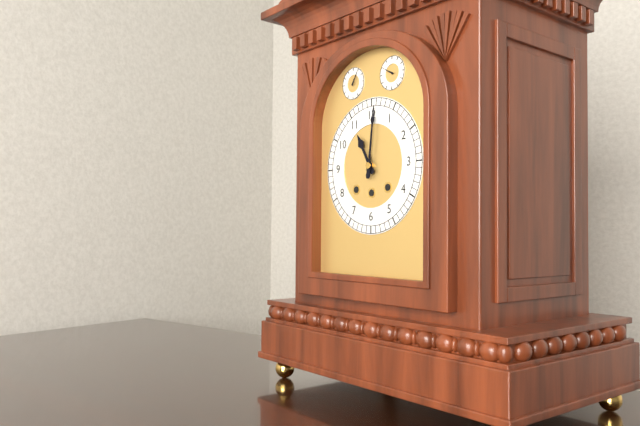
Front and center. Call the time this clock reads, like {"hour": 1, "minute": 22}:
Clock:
{"hour": 11, "minute": 1}
